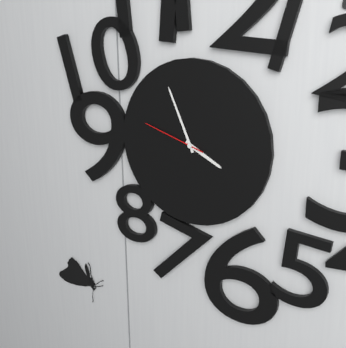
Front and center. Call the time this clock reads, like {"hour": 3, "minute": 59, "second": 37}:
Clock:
{"hour": 3, "minute": 56, "second": 48}
